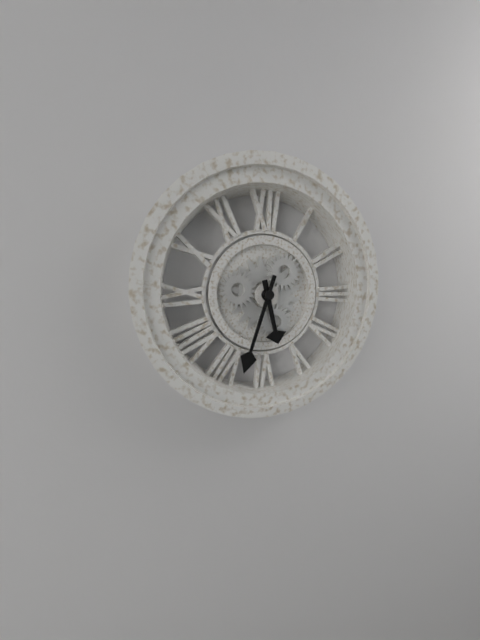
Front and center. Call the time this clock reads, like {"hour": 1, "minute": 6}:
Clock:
{"hour": 5, "minute": 33}
